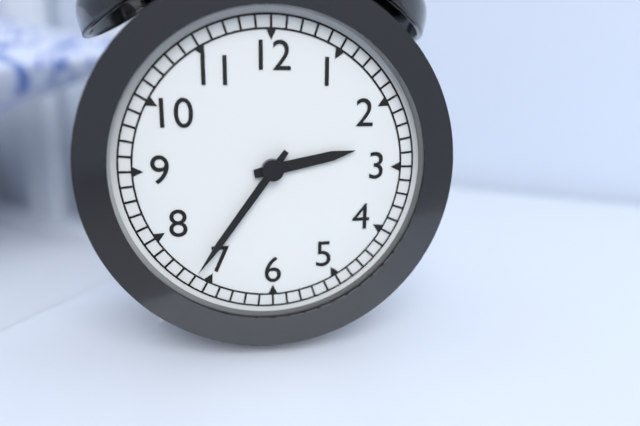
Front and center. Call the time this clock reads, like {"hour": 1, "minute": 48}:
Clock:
{"hour": 2, "minute": 36}
